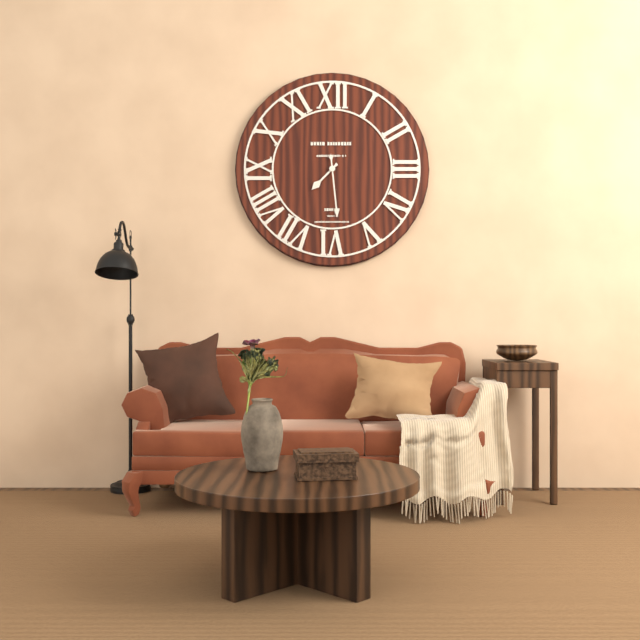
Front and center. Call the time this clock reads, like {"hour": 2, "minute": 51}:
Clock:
{"hour": 7, "minute": 29}
